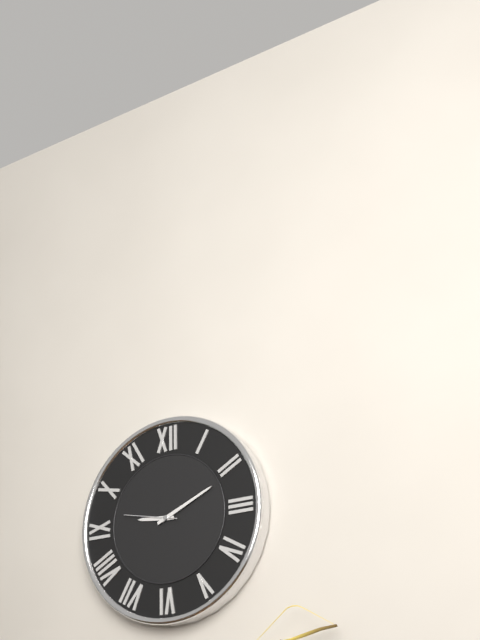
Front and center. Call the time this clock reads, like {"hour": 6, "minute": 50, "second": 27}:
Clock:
{"hour": 9, "minute": 11, "second": 47}
